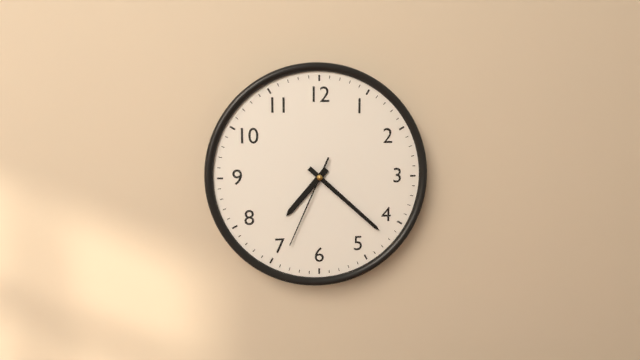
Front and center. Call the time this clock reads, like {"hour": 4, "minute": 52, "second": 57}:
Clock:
{"hour": 7, "minute": 22, "second": 34}
